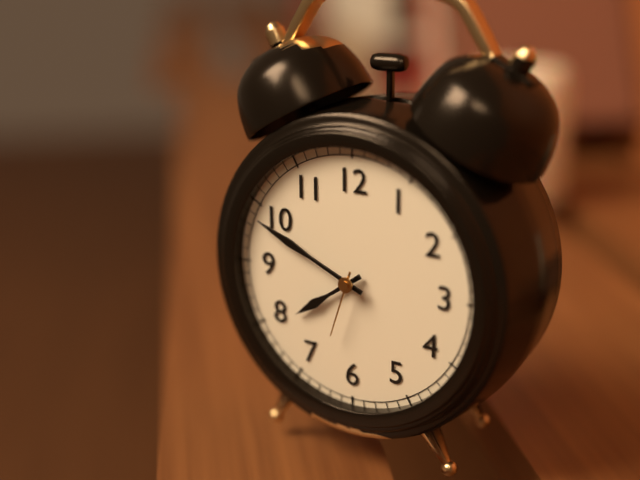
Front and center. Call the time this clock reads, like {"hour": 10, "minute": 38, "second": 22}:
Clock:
{"hour": 7, "minute": 49, "second": 33}
